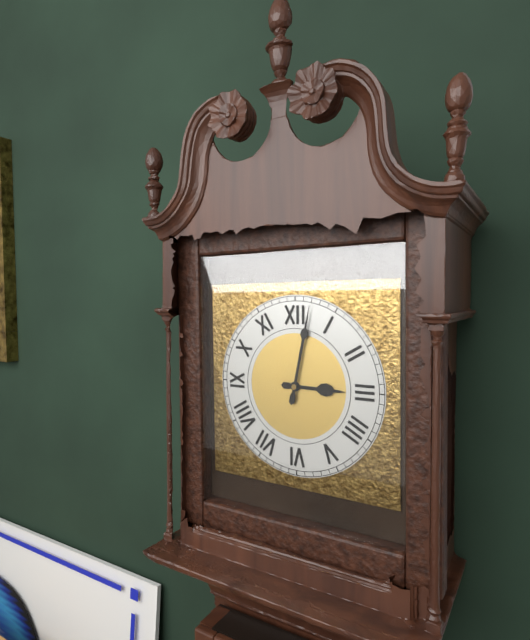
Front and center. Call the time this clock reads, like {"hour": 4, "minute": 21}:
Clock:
{"hour": 3, "minute": 2}
